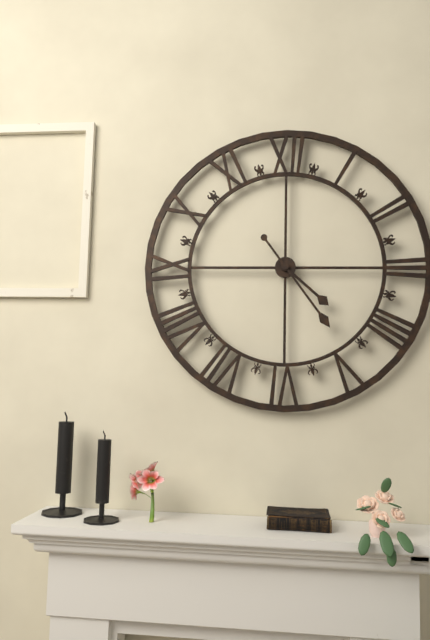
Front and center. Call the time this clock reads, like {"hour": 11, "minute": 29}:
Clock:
{"hour": 4, "minute": 24}
